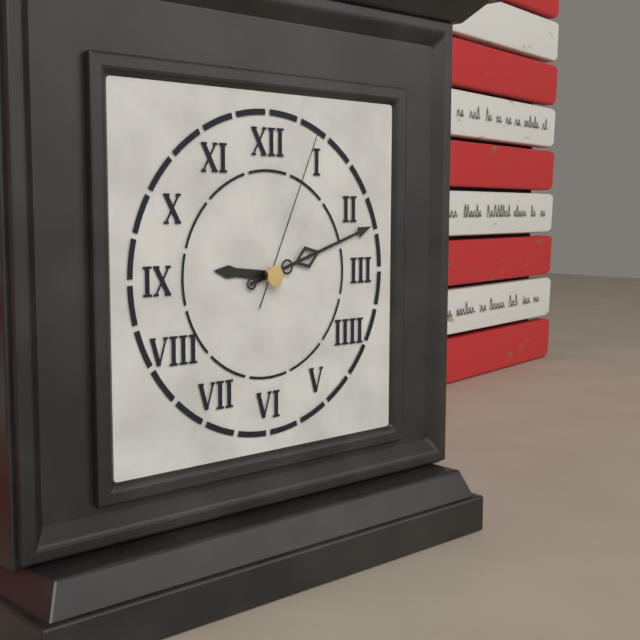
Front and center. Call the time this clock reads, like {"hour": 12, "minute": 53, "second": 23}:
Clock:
{"hour": 9, "minute": 12, "second": 4}
